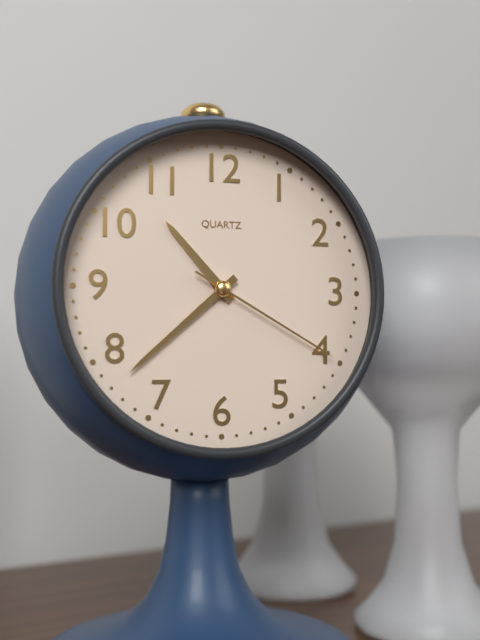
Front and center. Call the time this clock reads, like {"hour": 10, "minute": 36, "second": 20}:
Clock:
{"hour": 10, "minute": 38, "second": 20}
